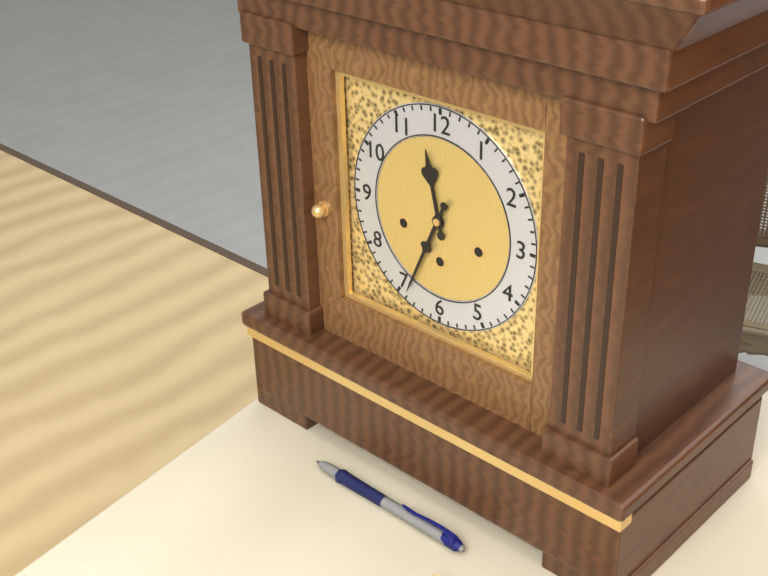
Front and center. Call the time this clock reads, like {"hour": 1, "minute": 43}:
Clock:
{"hour": 11, "minute": 34}
